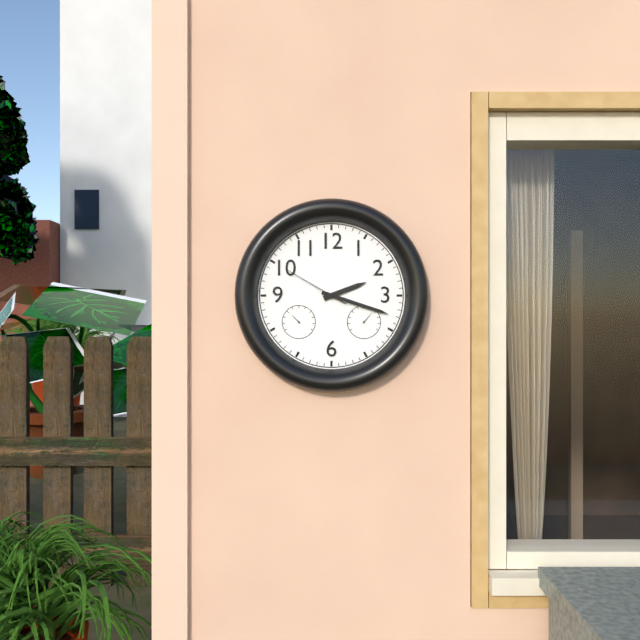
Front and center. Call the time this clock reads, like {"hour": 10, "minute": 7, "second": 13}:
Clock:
{"hour": 2, "minute": 18, "second": 50}
